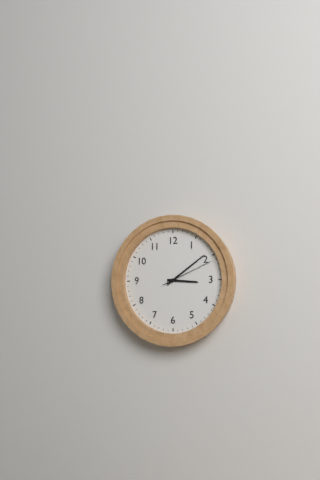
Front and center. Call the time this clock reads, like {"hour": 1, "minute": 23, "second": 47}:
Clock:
{"hour": 3, "minute": 9, "second": 11}
